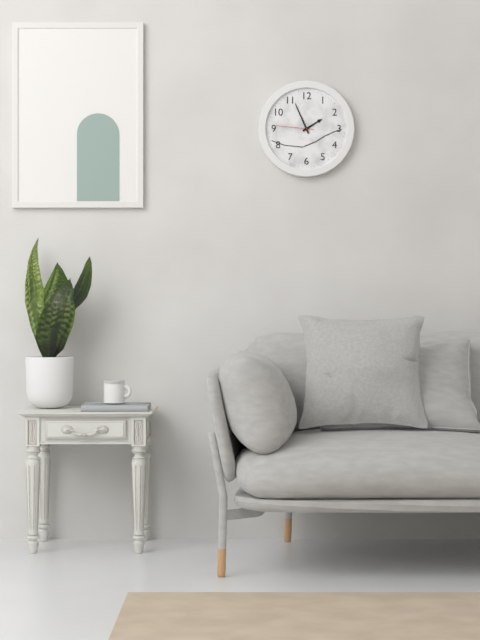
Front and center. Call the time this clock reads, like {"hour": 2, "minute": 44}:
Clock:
{"hour": 1, "minute": 56}
